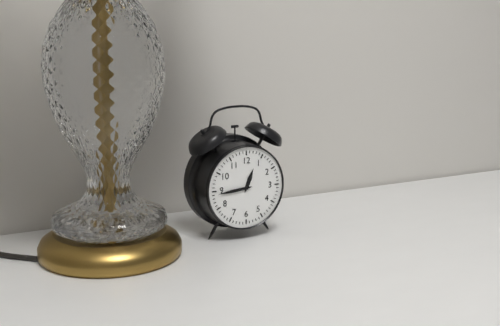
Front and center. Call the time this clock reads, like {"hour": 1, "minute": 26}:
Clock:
{"hour": 12, "minute": 44}
